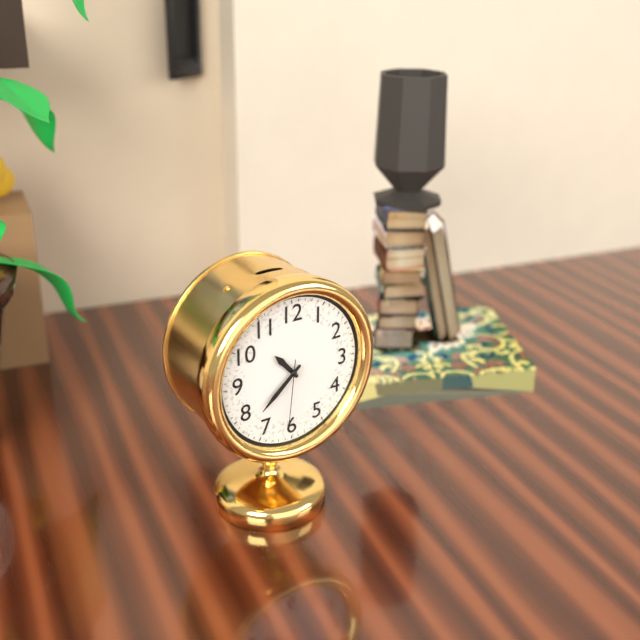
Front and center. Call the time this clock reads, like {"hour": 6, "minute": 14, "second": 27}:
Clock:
{"hour": 10, "minute": 38, "second": 31}
